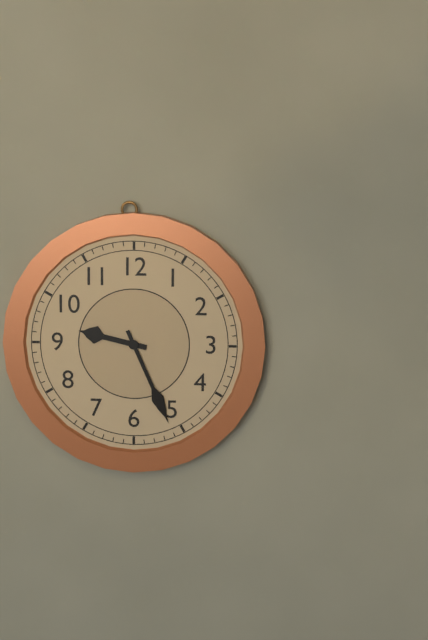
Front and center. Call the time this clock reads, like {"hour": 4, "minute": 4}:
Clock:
{"hour": 9, "minute": 26}
